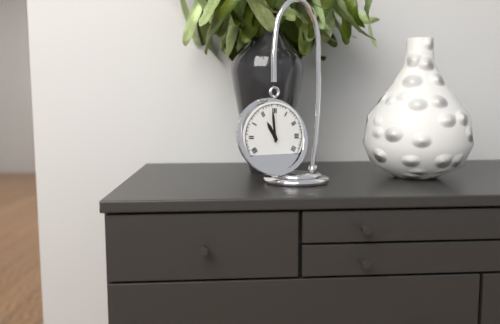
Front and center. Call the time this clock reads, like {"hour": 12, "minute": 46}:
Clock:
{"hour": 10, "minute": 59}
